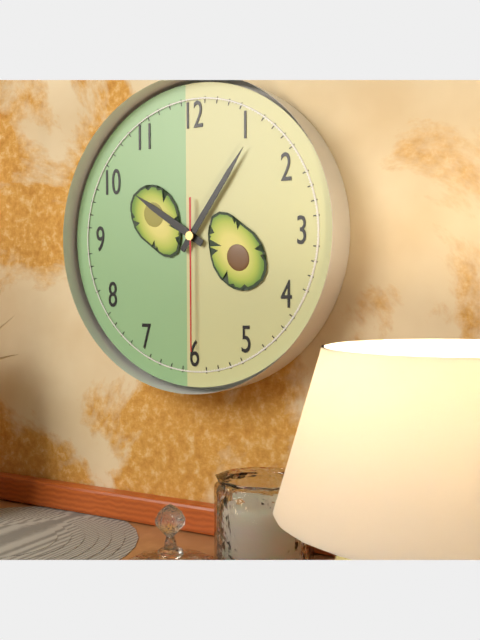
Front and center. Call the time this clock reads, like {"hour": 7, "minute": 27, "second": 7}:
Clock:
{"hour": 10, "minute": 6, "second": 30}
